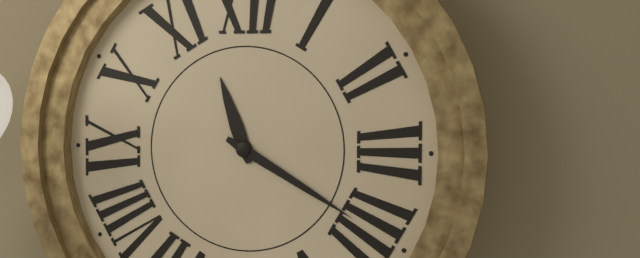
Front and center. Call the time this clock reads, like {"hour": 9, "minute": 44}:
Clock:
{"hour": 11, "minute": 20}
